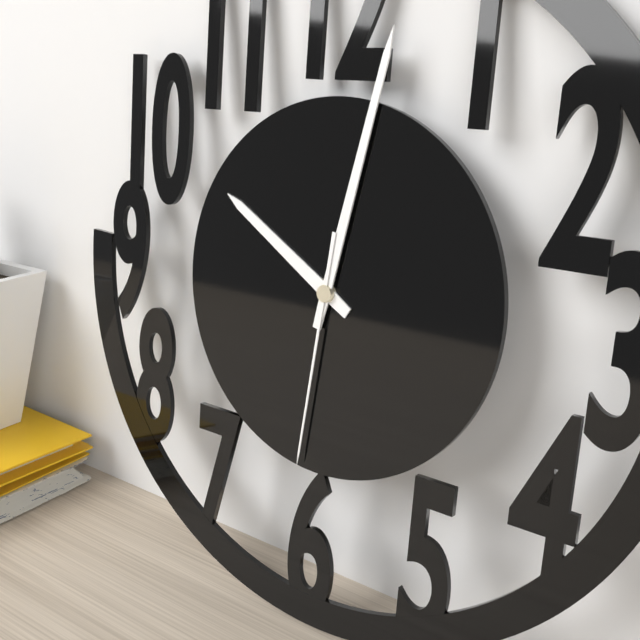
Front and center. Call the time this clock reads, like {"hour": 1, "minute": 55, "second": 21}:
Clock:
{"hour": 10, "minute": 2, "second": 31}
